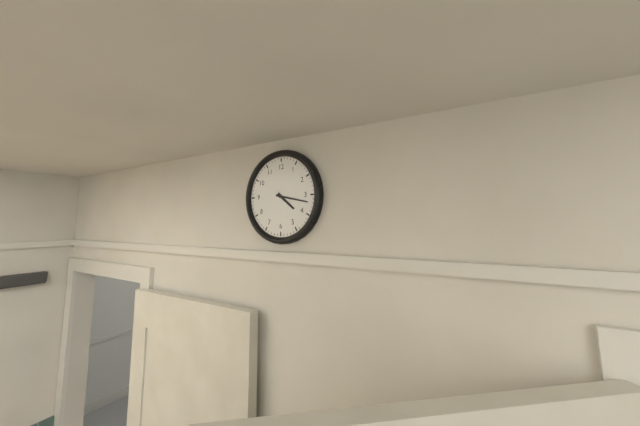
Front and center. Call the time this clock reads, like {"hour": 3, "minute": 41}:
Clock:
{"hour": 4, "minute": 17}
